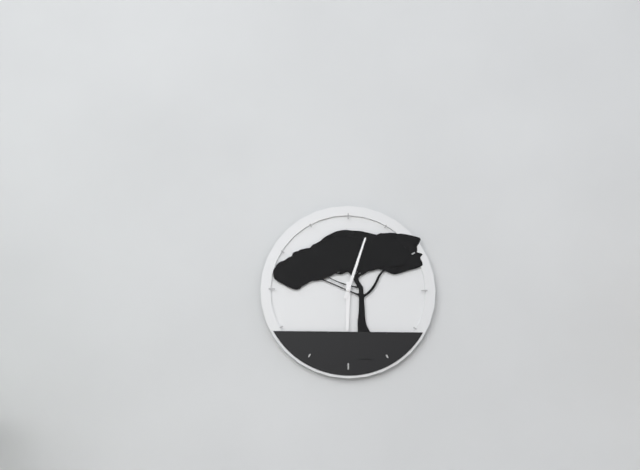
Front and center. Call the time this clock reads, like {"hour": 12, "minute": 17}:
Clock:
{"hour": 6, "minute": 3}
